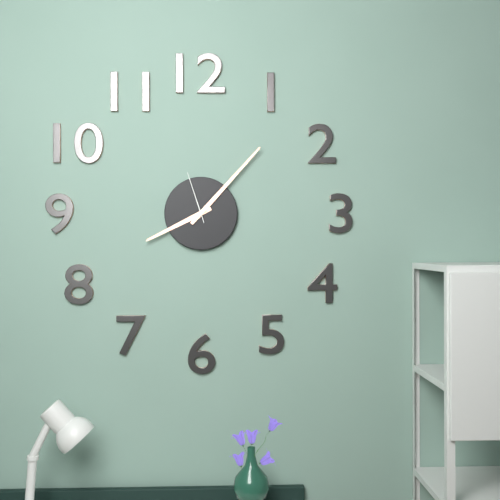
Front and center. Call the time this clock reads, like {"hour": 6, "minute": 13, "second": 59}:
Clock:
{"hour": 8, "minute": 7, "second": 57}
